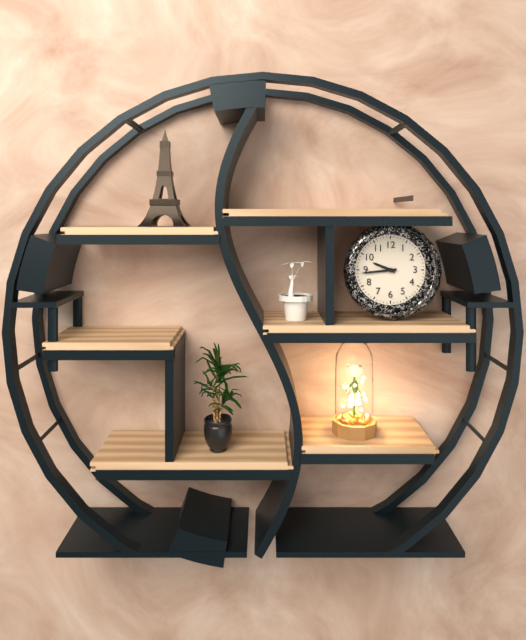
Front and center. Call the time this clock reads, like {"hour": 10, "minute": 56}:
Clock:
{"hour": 9, "minute": 44}
